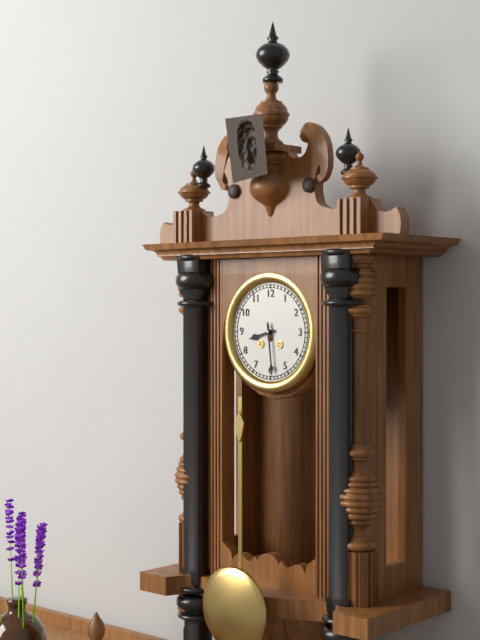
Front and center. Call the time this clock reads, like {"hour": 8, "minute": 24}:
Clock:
{"hour": 8, "minute": 29}
